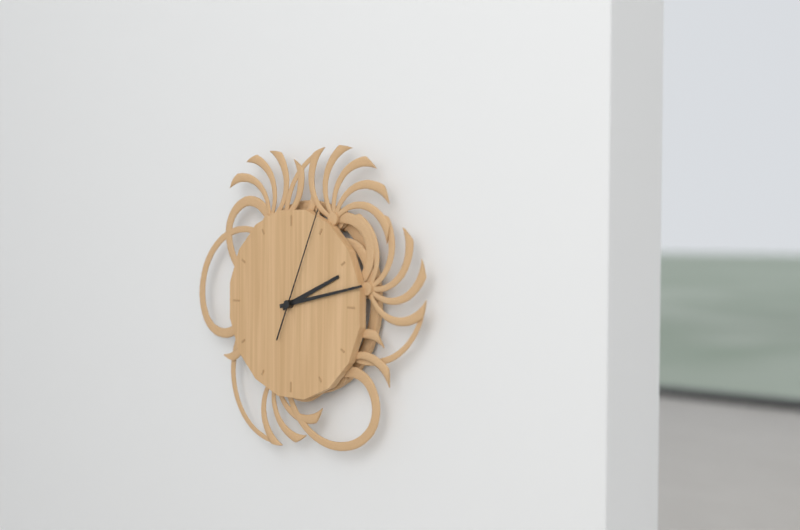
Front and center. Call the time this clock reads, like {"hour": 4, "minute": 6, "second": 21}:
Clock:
{"hour": 2, "minute": 13, "second": 4}
